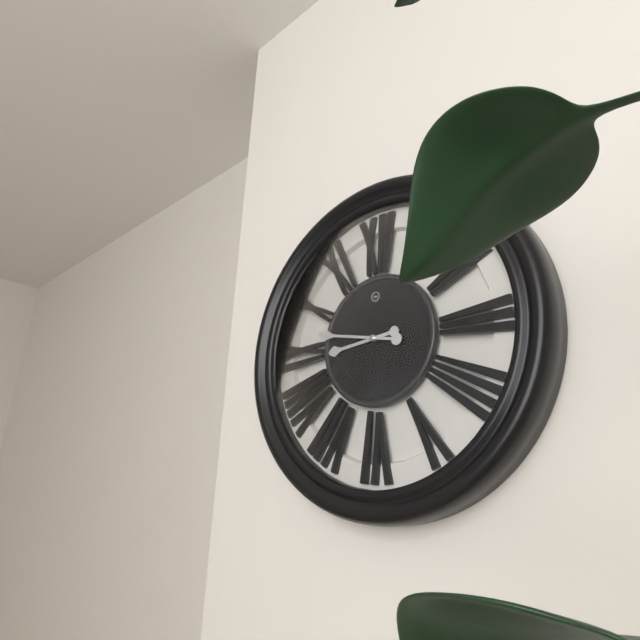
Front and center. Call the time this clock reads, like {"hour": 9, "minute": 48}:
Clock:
{"hour": 8, "minute": 47}
